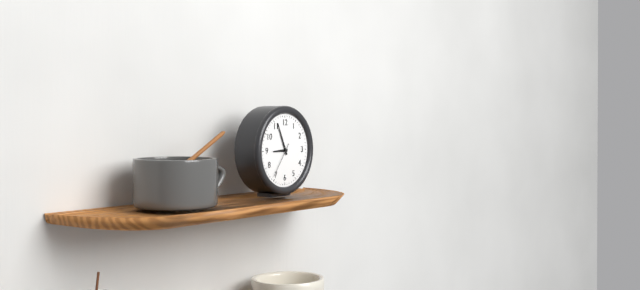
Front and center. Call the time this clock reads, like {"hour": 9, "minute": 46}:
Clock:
{"hour": 8, "minute": 56}
